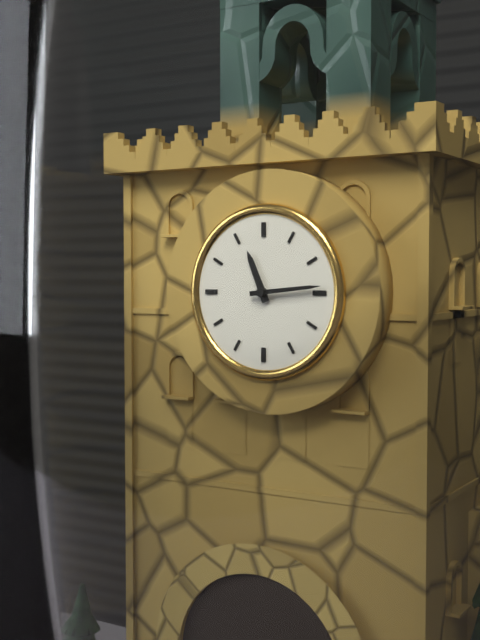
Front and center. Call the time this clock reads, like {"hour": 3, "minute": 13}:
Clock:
{"hour": 11, "minute": 14}
